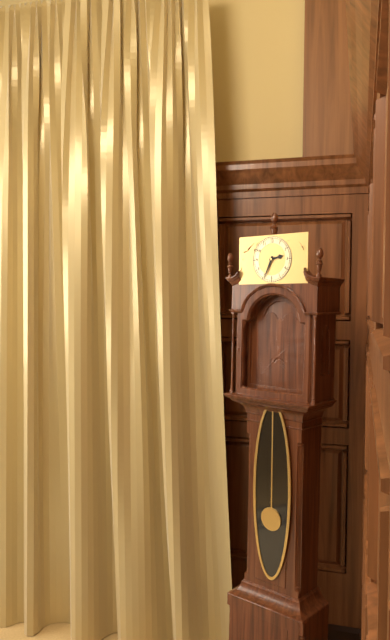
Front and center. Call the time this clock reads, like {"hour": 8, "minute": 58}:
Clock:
{"hour": 2, "minute": 34}
